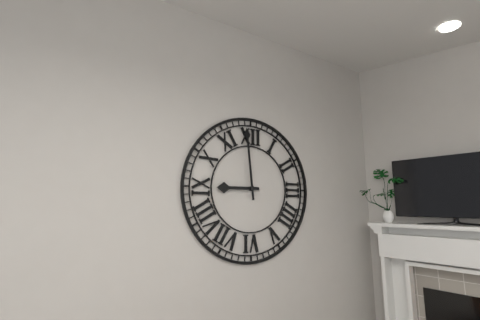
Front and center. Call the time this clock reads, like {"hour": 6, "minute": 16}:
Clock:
{"hour": 8, "minute": 59}
